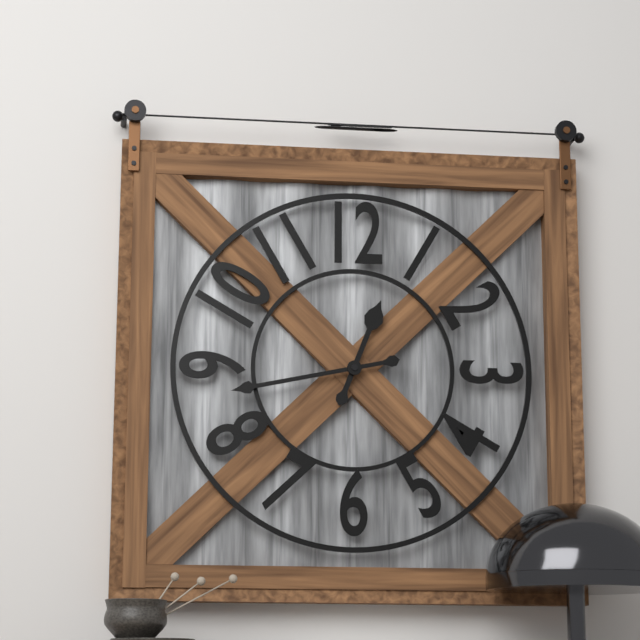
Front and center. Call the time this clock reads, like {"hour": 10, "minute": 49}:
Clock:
{"hour": 12, "minute": 43}
